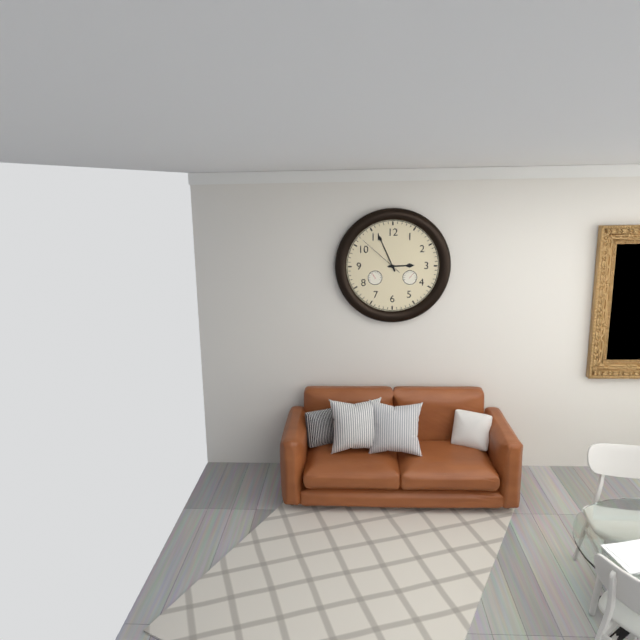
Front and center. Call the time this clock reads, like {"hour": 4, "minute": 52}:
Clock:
{"hour": 2, "minute": 56}
